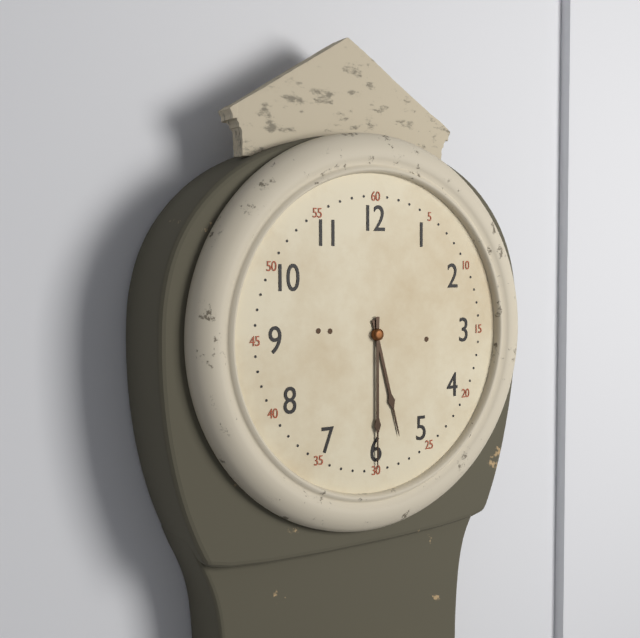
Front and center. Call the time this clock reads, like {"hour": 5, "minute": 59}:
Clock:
{"hour": 5, "minute": 30}
